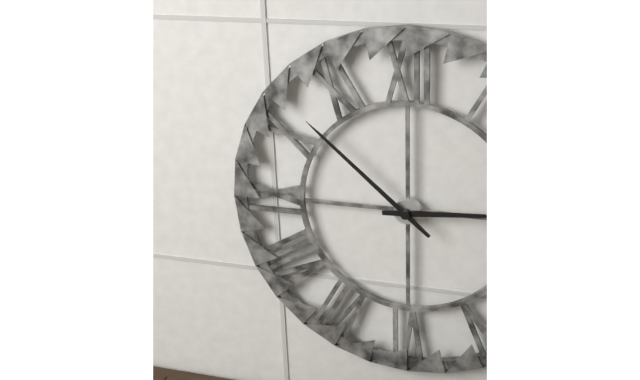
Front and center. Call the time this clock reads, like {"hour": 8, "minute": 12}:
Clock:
{"hour": 2, "minute": 52}
